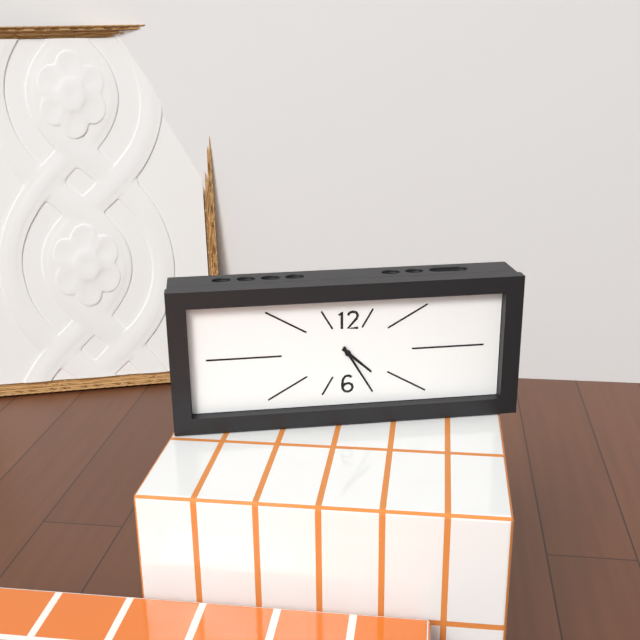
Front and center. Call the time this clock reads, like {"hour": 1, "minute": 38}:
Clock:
{"hour": 4, "minute": 25}
